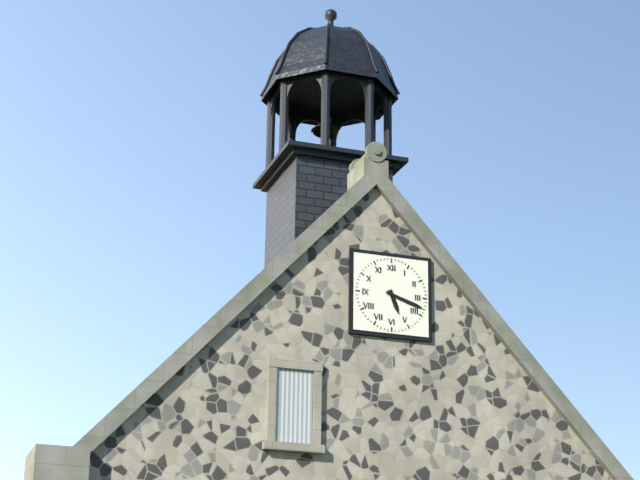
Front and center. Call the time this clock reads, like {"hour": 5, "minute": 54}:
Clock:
{"hour": 5, "minute": 18}
